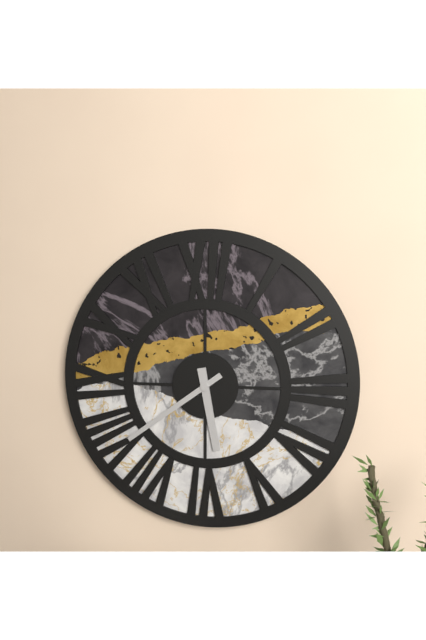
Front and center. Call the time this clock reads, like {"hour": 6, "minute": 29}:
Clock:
{"hour": 5, "minute": 39}
